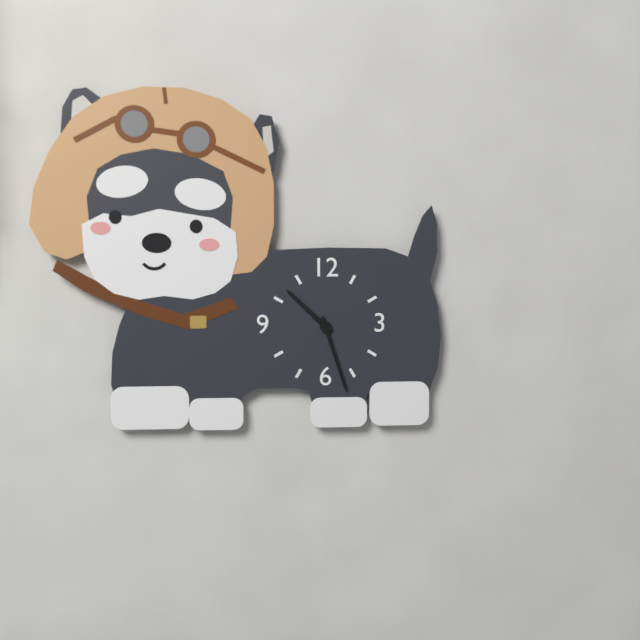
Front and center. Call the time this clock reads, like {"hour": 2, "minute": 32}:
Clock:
{"hour": 10, "minute": 27}
